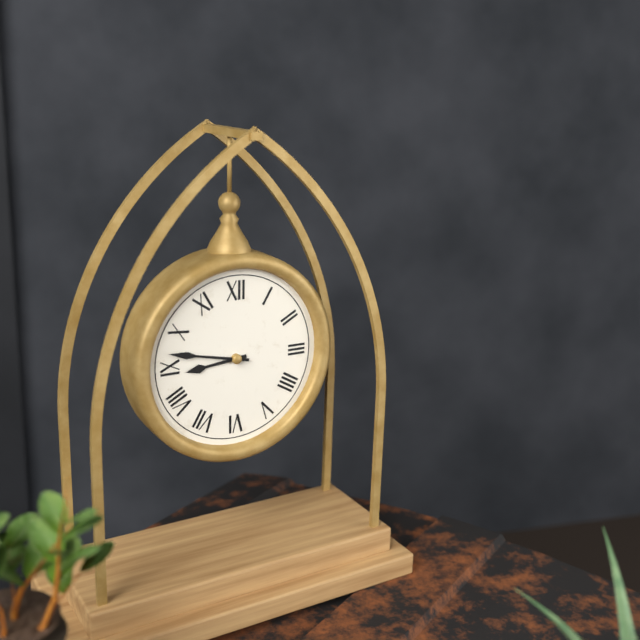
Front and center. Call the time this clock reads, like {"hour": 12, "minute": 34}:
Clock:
{"hour": 8, "minute": 47}
